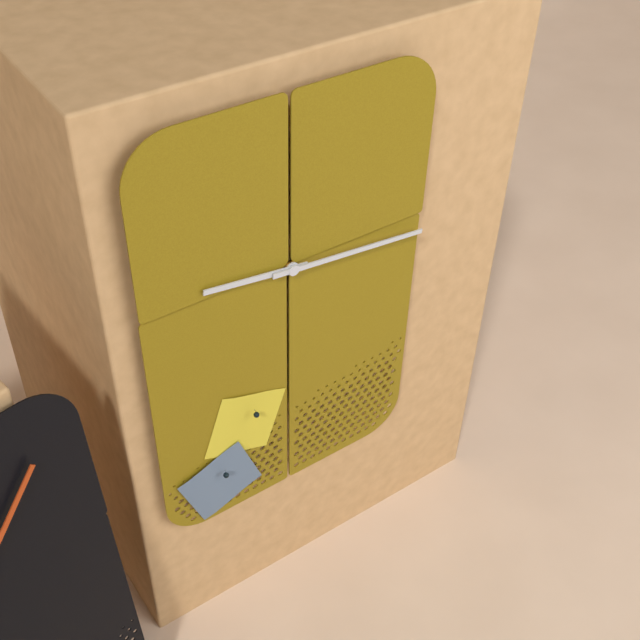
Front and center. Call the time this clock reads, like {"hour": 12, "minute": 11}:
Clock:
{"hour": 9, "minute": 16}
